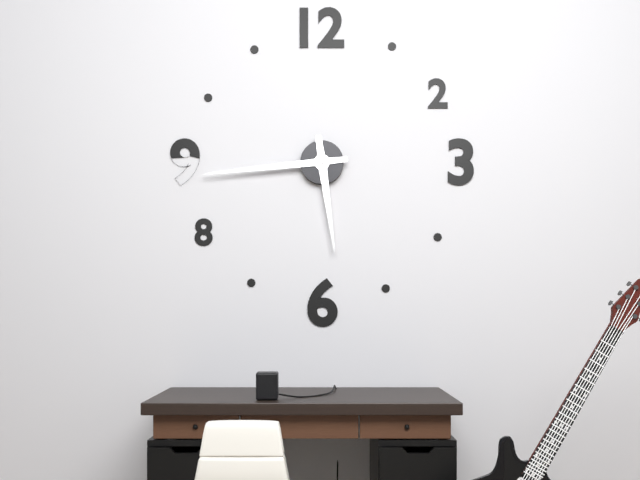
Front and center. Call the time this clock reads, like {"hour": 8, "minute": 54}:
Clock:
{"hour": 5, "minute": 44}
